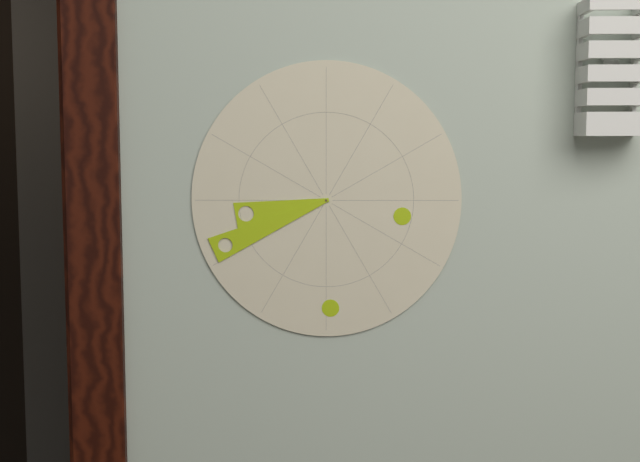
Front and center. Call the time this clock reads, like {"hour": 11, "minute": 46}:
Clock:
{"hour": 8, "minute": 41}
